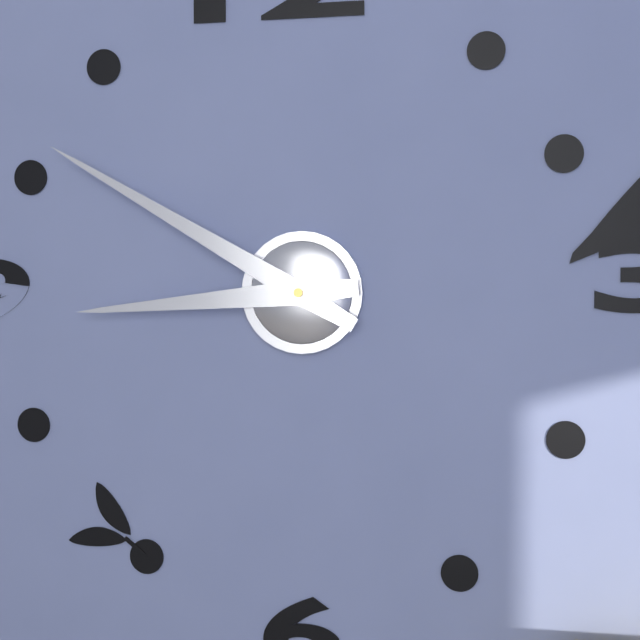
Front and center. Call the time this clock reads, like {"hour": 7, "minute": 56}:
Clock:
{"hour": 8, "minute": 50}
